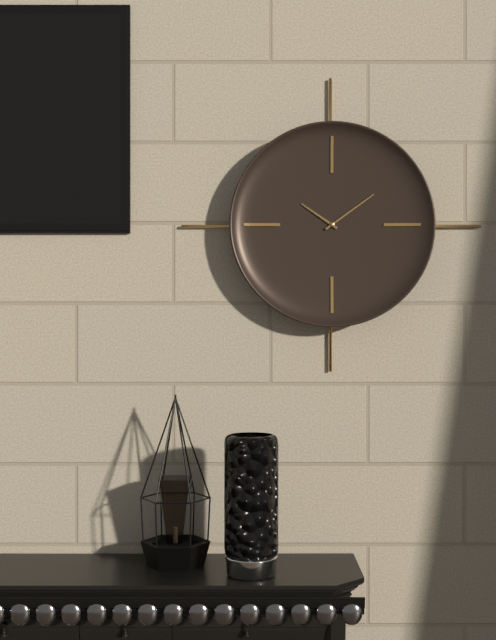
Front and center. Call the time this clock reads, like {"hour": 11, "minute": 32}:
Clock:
{"hour": 10, "minute": 9}
